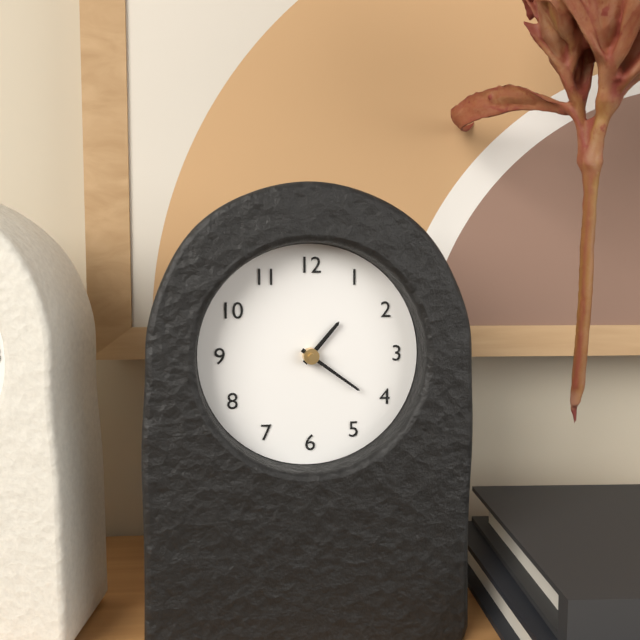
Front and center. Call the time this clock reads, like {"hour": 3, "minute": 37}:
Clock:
{"hour": 1, "minute": 21}
